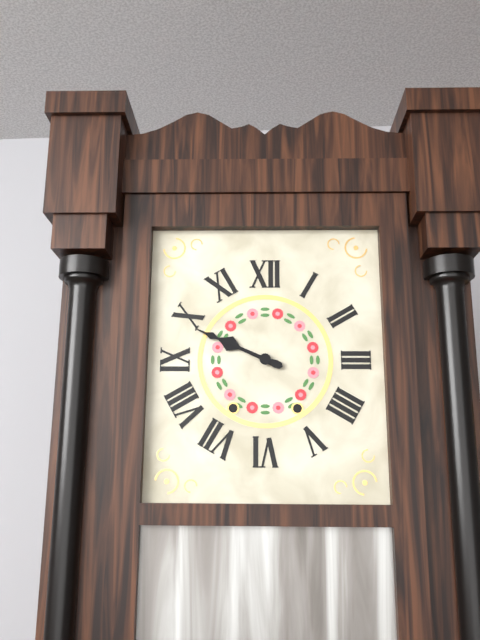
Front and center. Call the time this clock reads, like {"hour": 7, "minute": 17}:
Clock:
{"hour": 9, "minute": 49}
